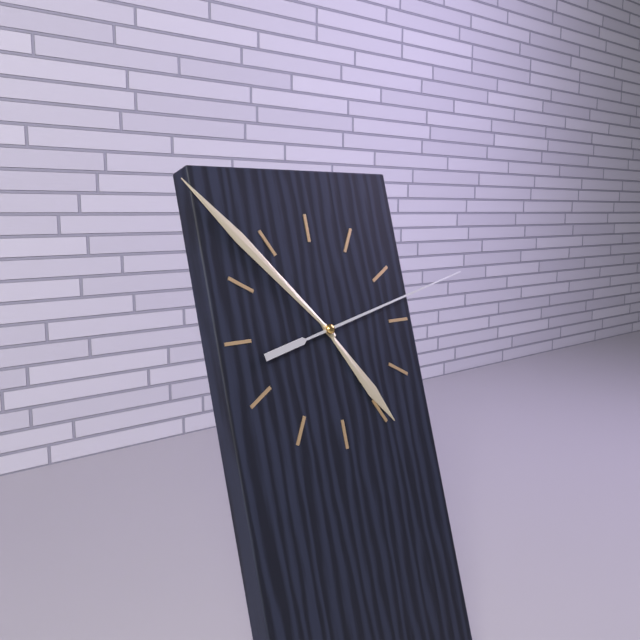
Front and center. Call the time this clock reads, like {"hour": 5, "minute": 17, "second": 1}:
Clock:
{"hour": 4, "minute": 53, "second": 13}
